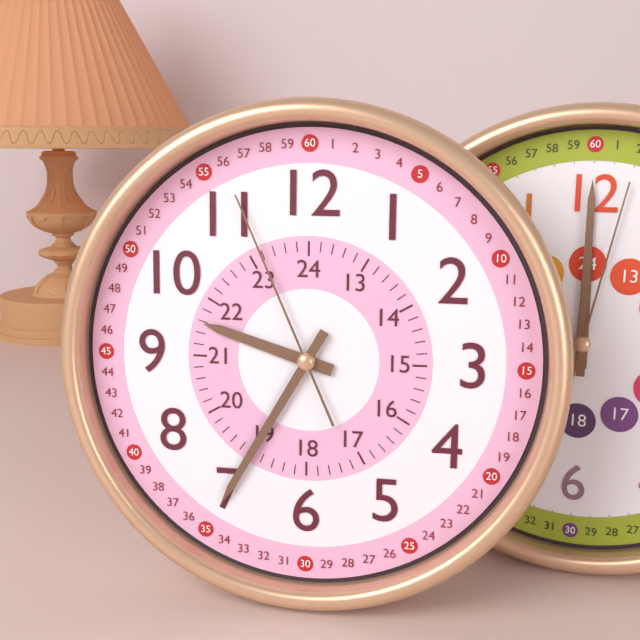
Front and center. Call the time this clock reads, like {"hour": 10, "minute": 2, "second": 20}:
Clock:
{"hour": 9, "minute": 35, "second": 56}
